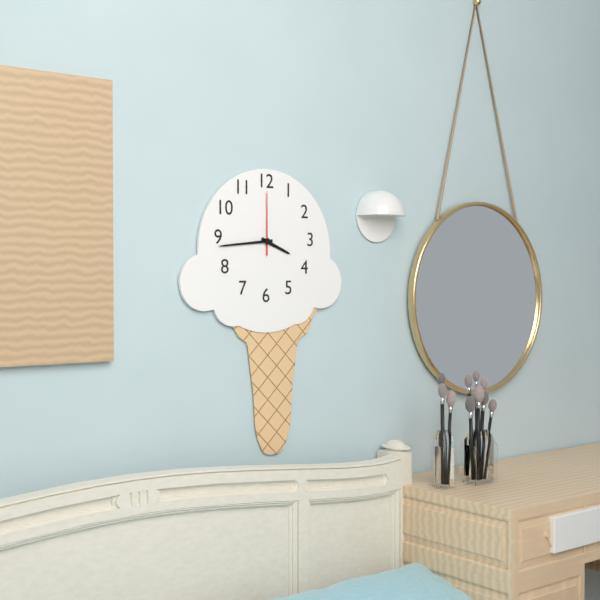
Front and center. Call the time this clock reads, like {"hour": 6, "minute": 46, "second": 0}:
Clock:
{"hour": 3, "minute": 44, "second": 0}
